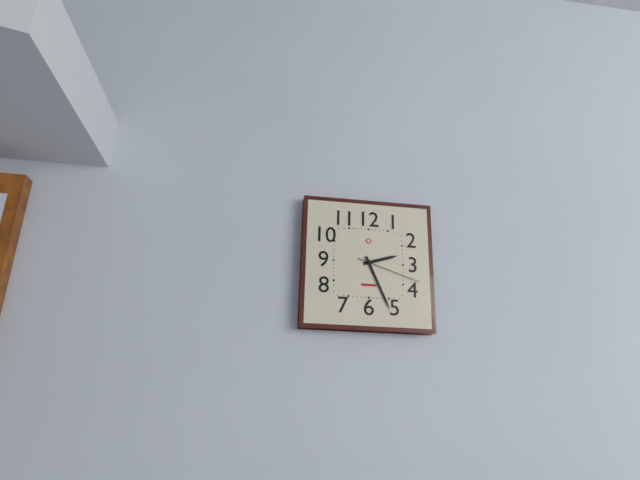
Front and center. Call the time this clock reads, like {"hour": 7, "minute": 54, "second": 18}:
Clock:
{"hour": 2, "minute": 26, "second": 18}
